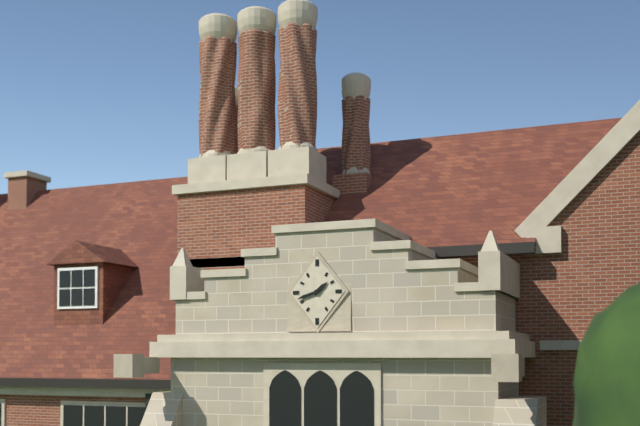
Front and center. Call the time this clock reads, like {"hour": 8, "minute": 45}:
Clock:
{"hour": 1, "minute": 42}
